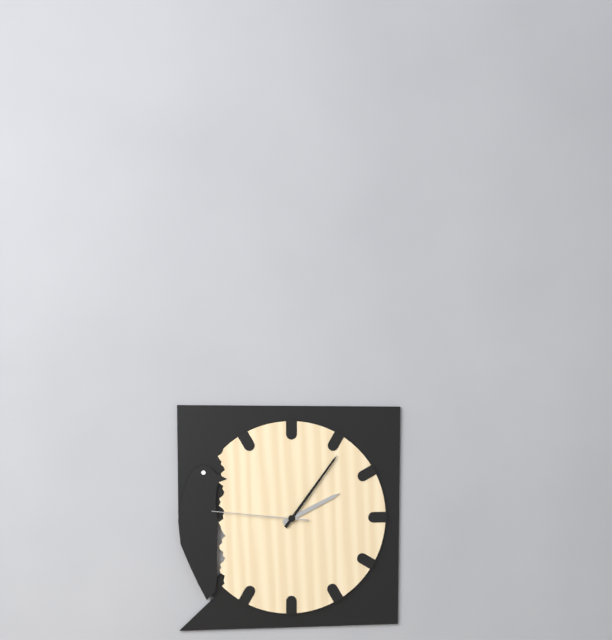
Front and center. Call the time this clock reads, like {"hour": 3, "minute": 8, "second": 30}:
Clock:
{"hour": 2, "minute": 6, "second": 46}
